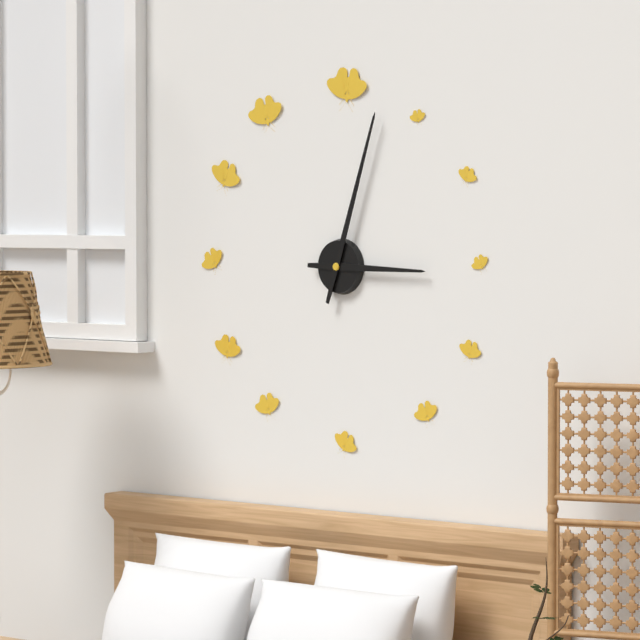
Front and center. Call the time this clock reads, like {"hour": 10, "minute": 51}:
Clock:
{"hour": 3, "minute": 3}
